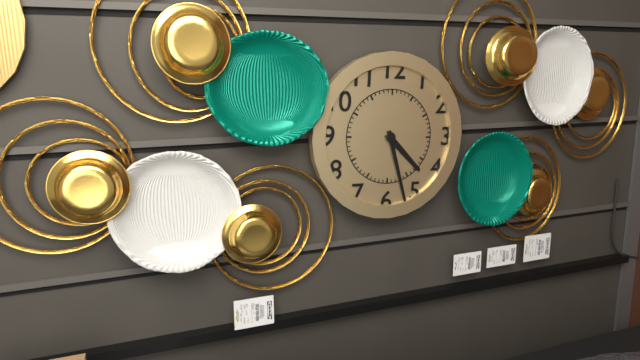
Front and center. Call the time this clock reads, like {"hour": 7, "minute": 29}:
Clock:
{"hour": 4, "minute": 27}
